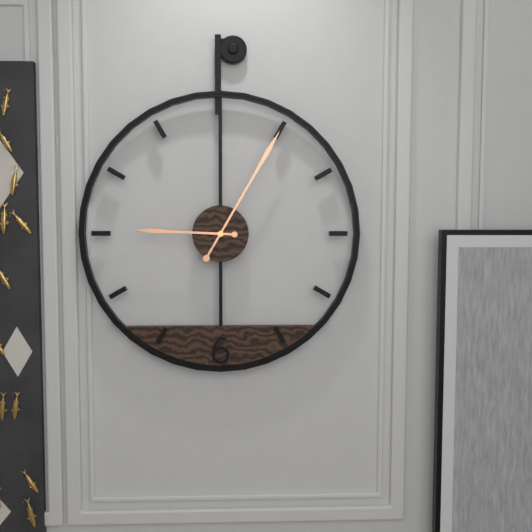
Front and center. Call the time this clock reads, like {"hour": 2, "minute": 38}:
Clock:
{"hour": 9, "minute": 5}
